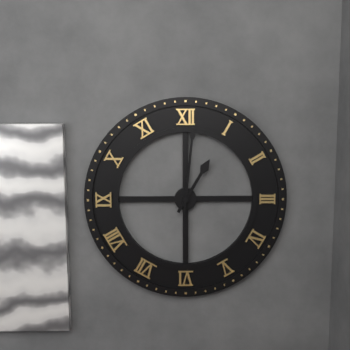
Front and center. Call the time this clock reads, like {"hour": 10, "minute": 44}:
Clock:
{"hour": 1, "minute": 1}
